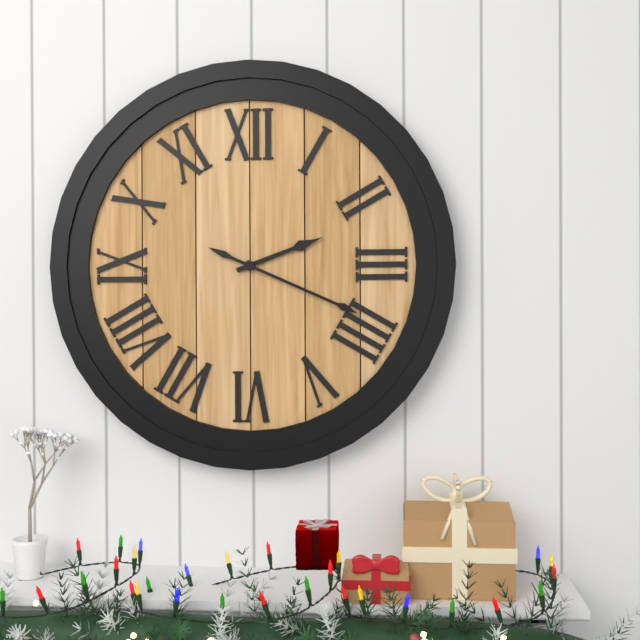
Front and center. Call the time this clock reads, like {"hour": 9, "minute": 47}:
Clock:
{"hour": 2, "minute": 19}
